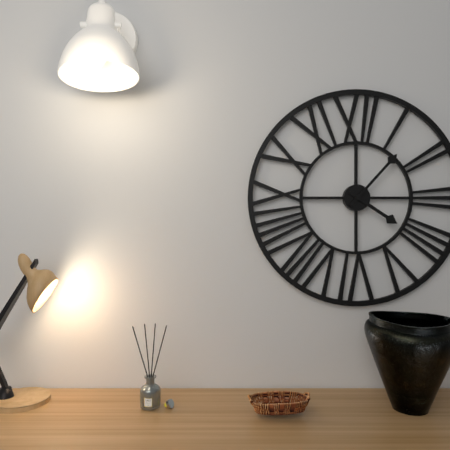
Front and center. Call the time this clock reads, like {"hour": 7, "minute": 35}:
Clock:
{"hour": 4, "minute": 7}
